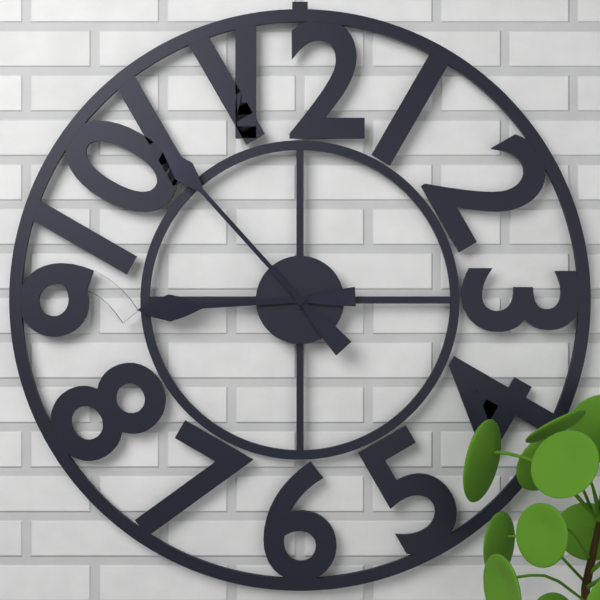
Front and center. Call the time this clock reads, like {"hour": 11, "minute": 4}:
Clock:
{"hour": 8, "minute": 53}
